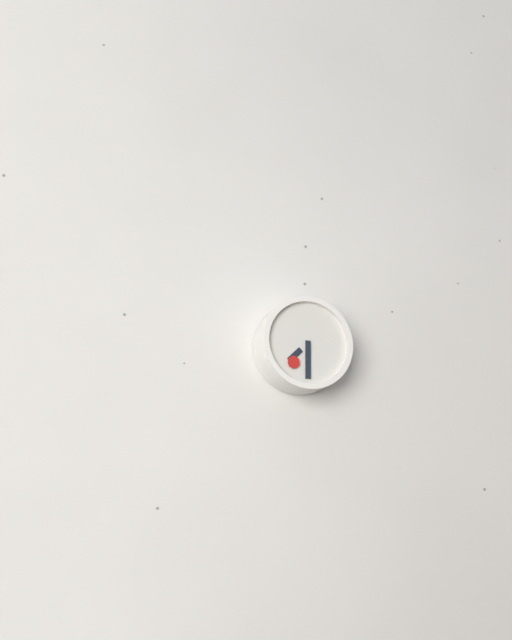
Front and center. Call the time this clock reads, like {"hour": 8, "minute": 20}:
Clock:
{"hour": 7, "minute": 30}
